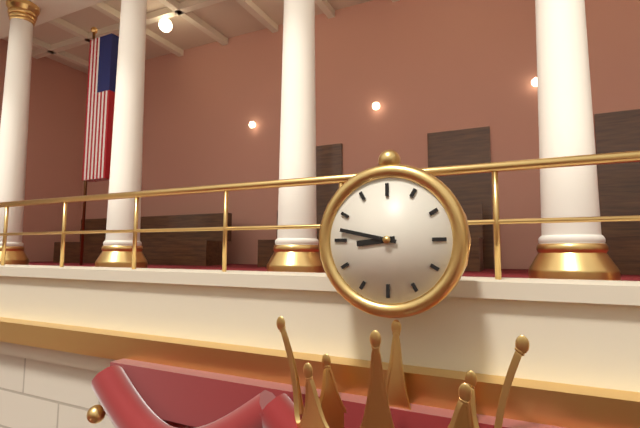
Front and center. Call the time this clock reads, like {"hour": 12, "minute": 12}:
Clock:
{"hour": 8, "minute": 47}
